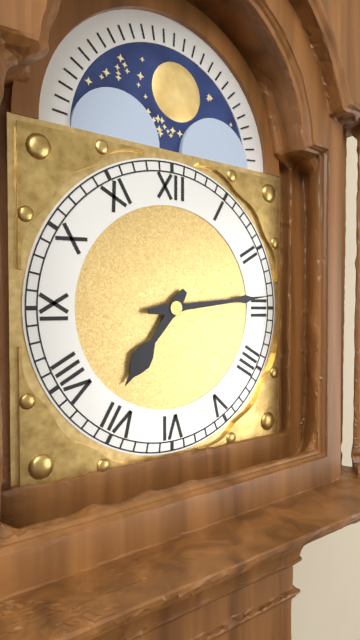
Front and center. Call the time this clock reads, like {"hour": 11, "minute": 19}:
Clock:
{"hour": 7, "minute": 14}
